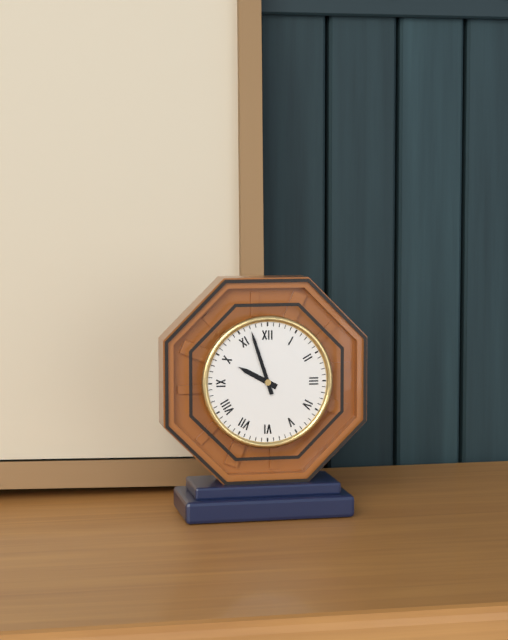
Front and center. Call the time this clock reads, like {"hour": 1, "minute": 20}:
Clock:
{"hour": 9, "minute": 57}
